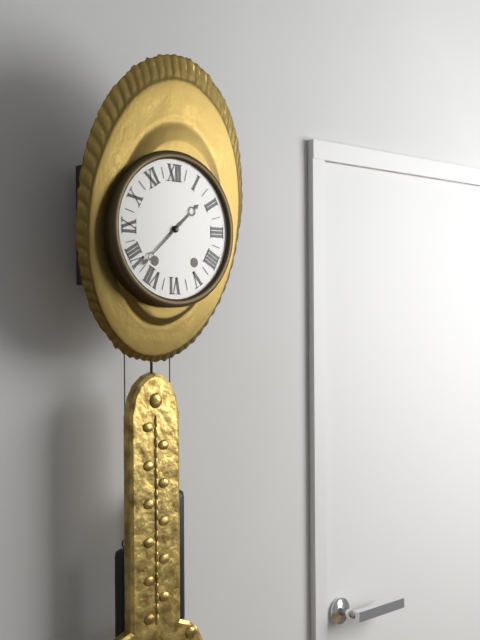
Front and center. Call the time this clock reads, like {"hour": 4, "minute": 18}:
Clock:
{"hour": 1, "minute": 38}
